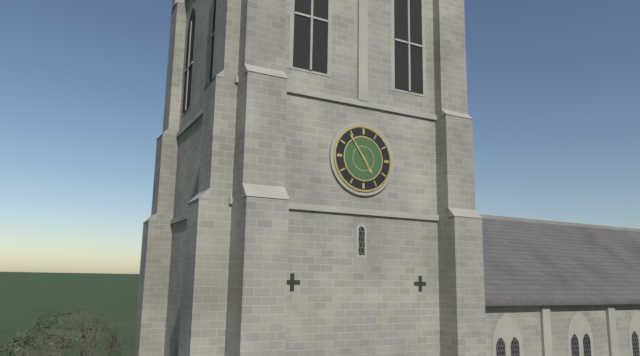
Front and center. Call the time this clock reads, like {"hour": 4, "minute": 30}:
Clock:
{"hour": 4, "minute": 54}
